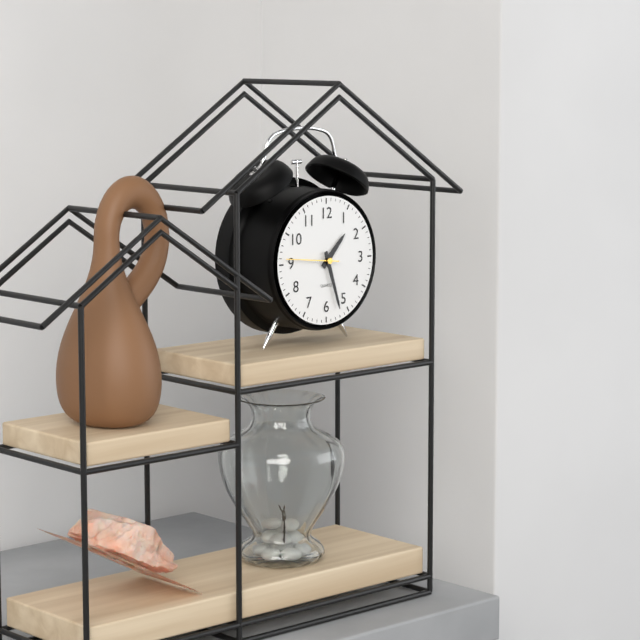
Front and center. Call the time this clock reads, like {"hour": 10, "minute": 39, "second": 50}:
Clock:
{"hour": 1, "minute": 27, "second": 46}
